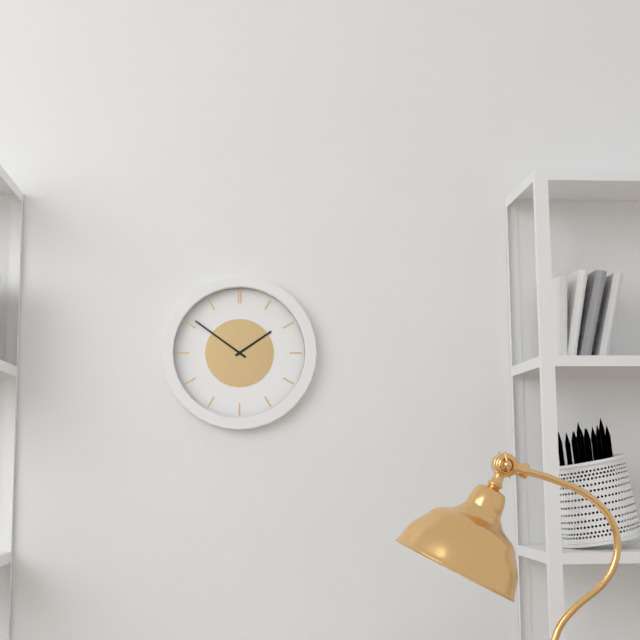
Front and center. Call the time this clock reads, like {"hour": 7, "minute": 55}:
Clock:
{"hour": 1, "minute": 51}
